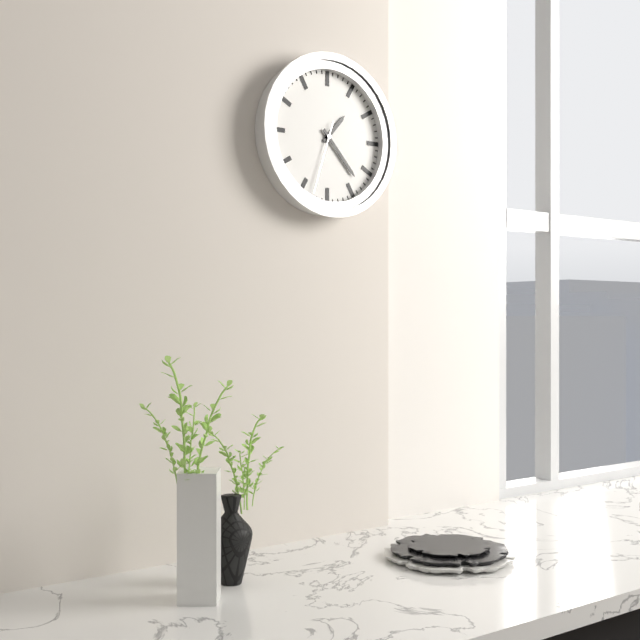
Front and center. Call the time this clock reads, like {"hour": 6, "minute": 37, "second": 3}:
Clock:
{"hour": 1, "minute": 23, "second": 33}
